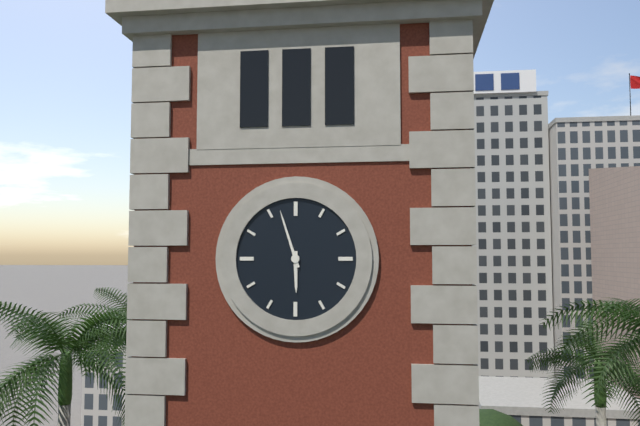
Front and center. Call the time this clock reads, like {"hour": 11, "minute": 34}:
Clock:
{"hour": 5, "minute": 57}
